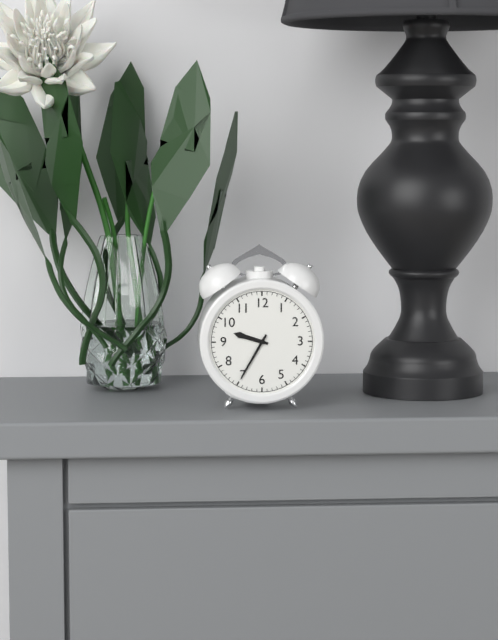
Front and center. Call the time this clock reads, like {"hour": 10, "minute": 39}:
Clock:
{"hour": 9, "minute": 35}
